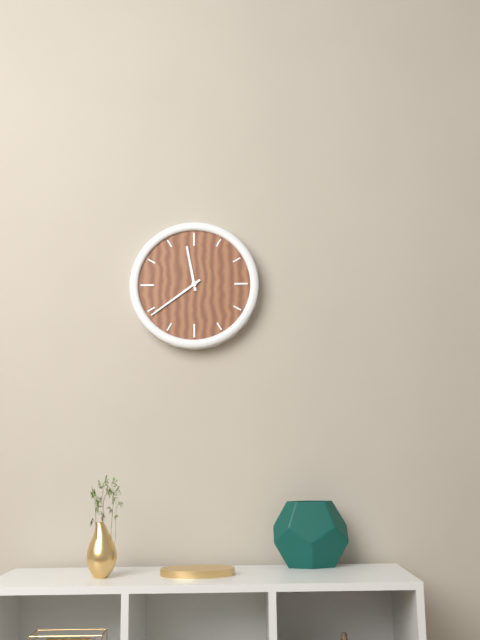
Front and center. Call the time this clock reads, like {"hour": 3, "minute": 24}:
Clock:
{"hour": 11, "minute": 39}
